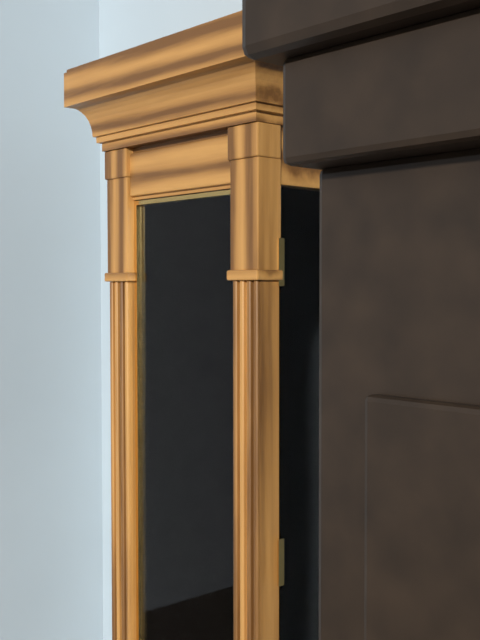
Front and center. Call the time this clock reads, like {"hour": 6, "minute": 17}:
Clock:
{"hour": 7, "minute": 27}
